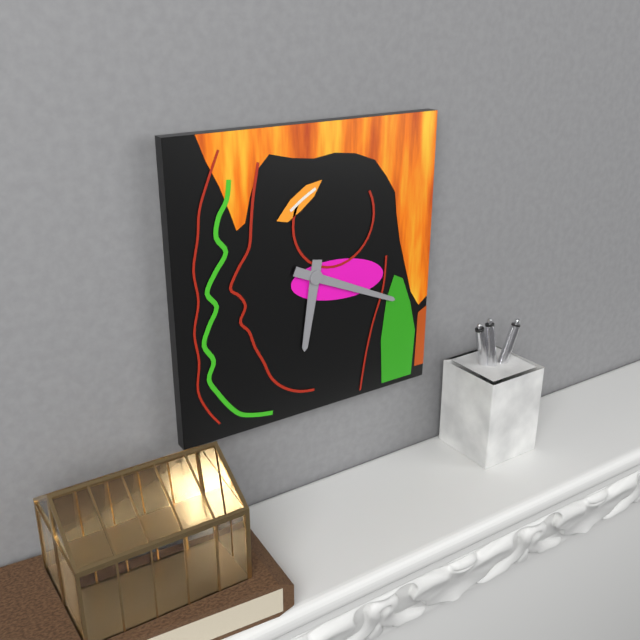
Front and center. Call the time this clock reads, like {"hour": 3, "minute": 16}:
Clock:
{"hour": 6, "minute": 19}
